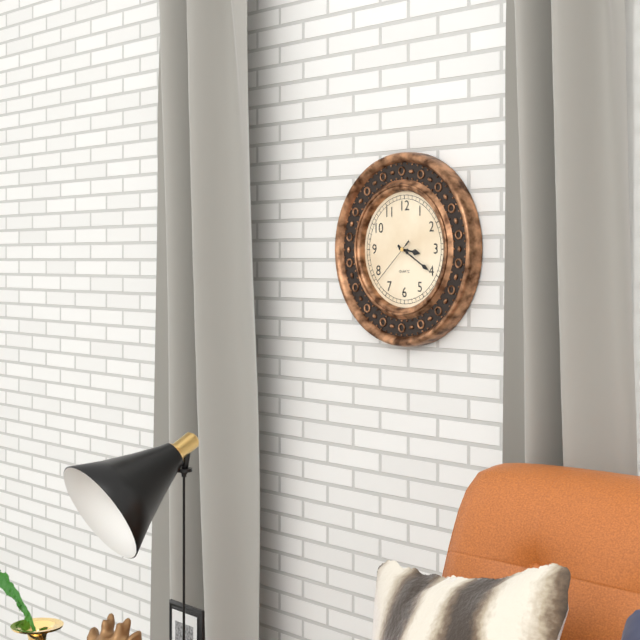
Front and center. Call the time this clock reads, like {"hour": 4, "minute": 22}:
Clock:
{"hour": 3, "minute": 20}
